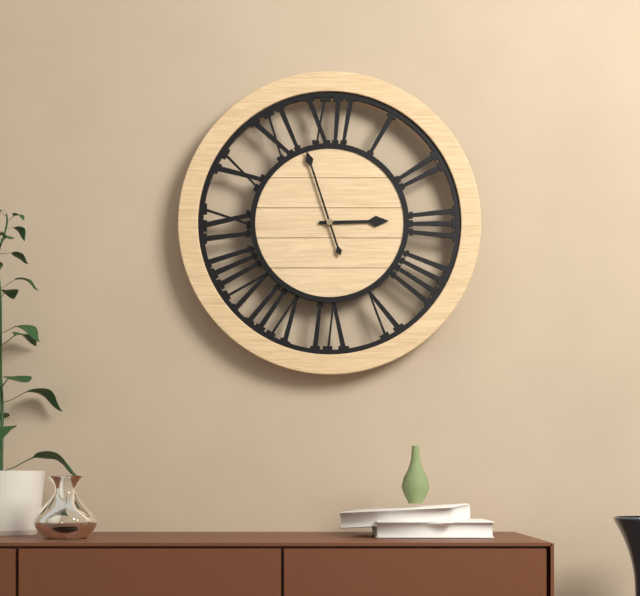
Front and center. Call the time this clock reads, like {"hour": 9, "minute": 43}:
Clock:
{"hour": 2, "minute": 57}
